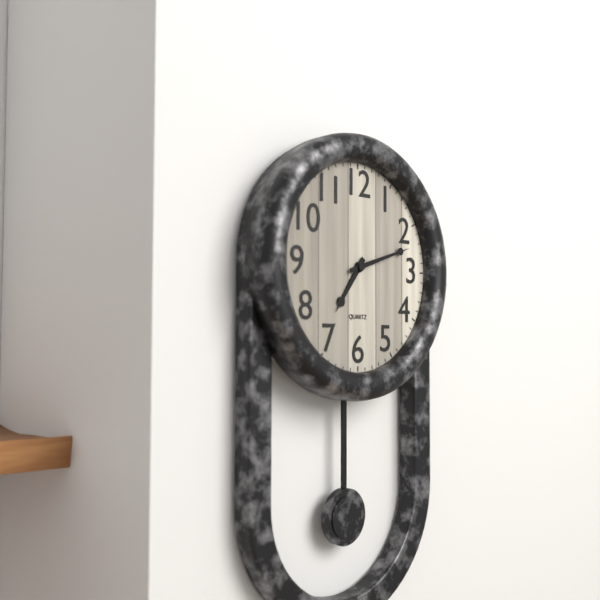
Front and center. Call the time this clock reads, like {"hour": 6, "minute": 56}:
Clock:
{"hour": 7, "minute": 12}
